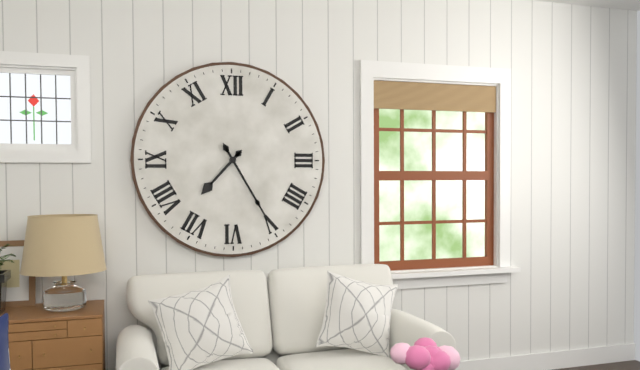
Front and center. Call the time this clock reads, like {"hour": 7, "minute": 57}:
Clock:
{"hour": 7, "minute": 25}
